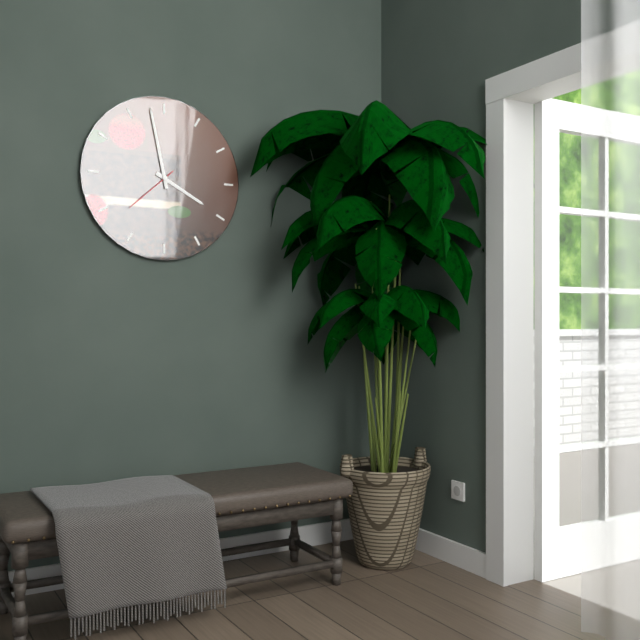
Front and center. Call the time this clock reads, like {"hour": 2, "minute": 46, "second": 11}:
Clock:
{"hour": 3, "minute": 58, "second": 38}
